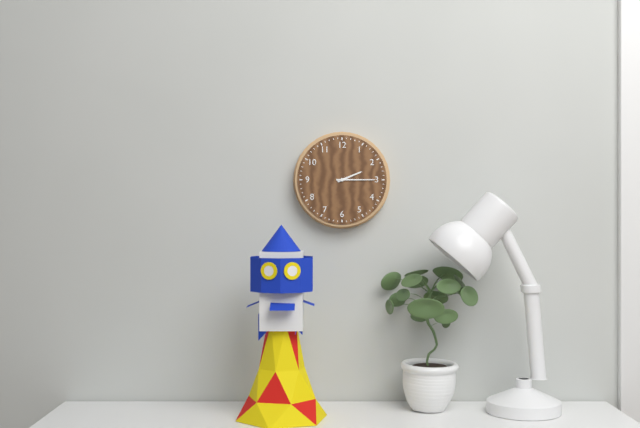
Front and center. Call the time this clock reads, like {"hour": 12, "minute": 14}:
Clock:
{"hour": 2, "minute": 15}
